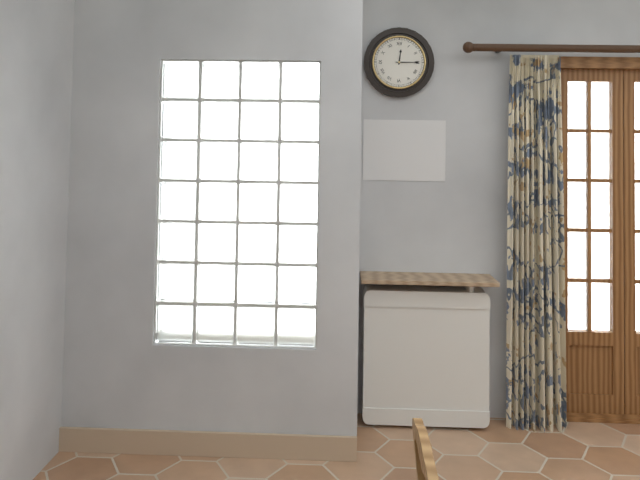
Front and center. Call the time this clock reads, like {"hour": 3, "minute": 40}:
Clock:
{"hour": 12, "minute": 15}
